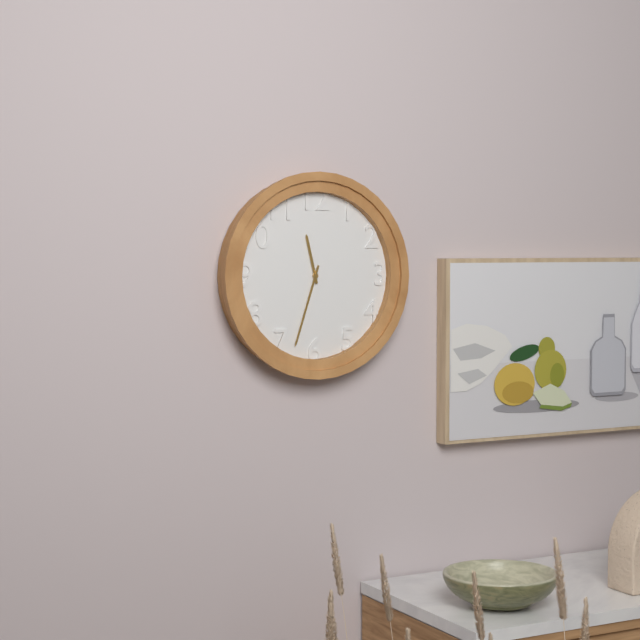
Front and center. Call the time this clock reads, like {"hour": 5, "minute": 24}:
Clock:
{"hour": 11, "minute": 33}
